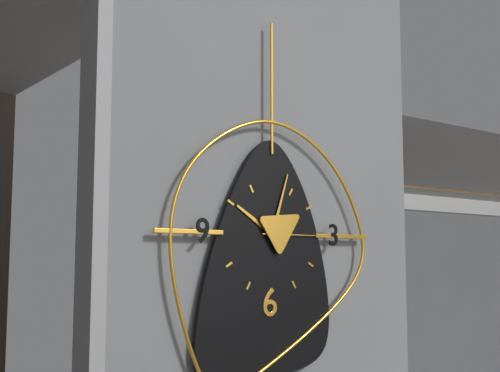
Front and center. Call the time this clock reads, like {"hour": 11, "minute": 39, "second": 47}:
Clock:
{"hour": 10, "minute": 3, "second": 15}
